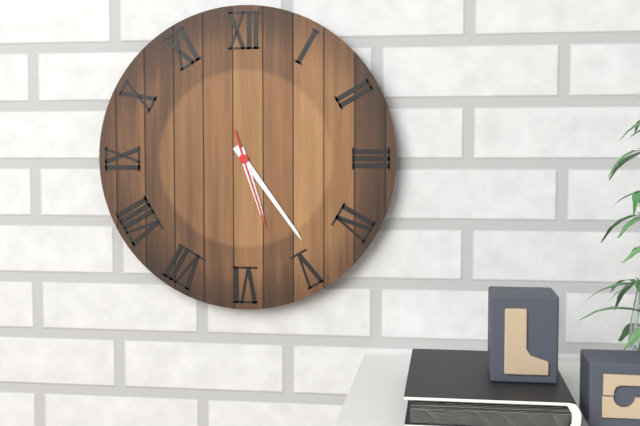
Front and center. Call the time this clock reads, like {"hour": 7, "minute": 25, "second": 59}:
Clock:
{"hour": 5, "minute": 24, "second": 27}
